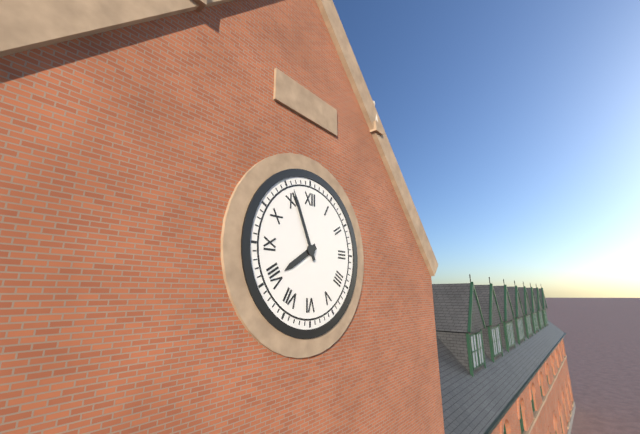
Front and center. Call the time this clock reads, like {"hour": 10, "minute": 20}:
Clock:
{"hour": 7, "minute": 56}
